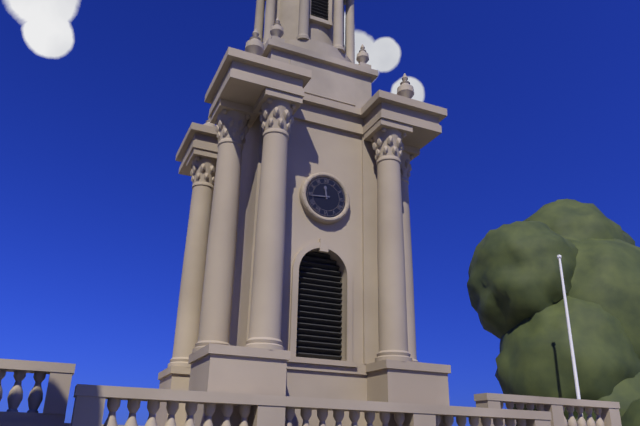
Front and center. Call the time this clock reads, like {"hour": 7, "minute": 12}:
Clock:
{"hour": 11, "minute": 44}
